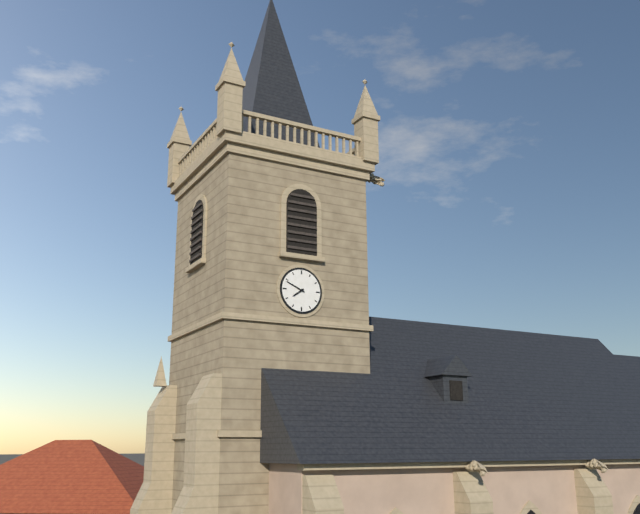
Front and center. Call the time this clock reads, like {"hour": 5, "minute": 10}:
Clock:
{"hour": 7, "minute": 49}
